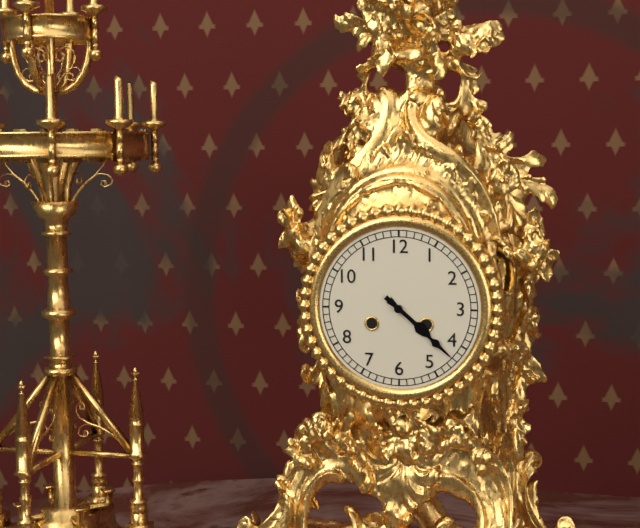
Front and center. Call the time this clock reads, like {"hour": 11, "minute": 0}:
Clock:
{"hour": 4, "minute": 22}
